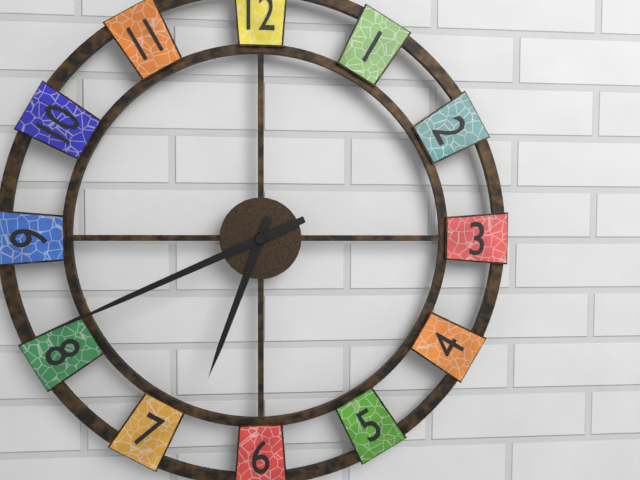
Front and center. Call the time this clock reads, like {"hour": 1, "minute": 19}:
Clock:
{"hour": 6, "minute": 41}
